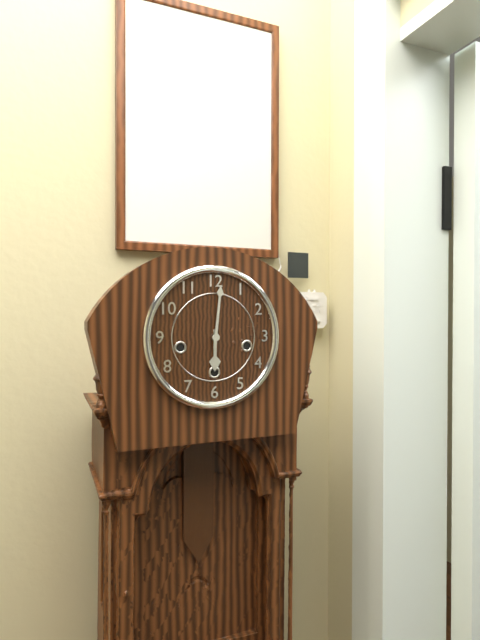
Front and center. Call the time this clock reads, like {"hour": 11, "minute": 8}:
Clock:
{"hour": 6, "minute": 1}
